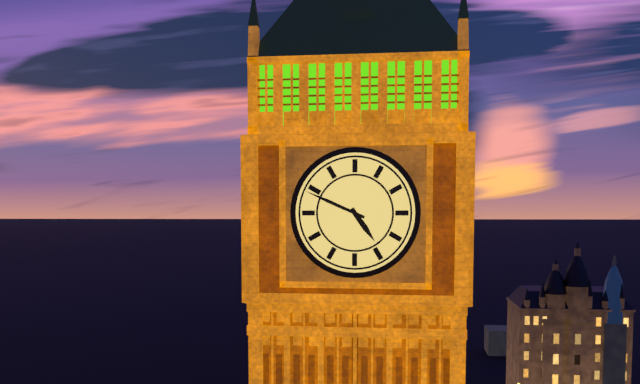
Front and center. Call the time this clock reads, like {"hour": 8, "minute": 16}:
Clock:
{"hour": 4, "minute": 49}
